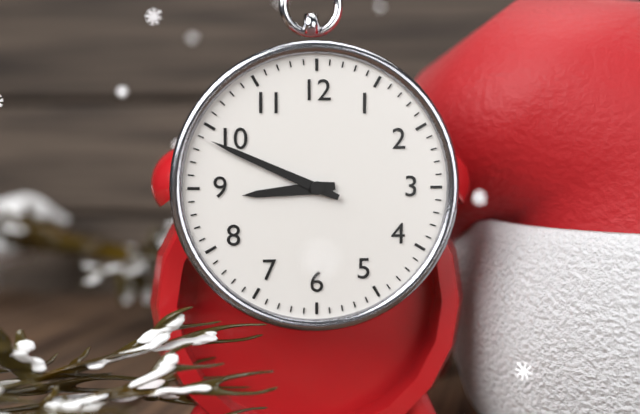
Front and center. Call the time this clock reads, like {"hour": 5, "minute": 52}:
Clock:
{"hour": 8, "minute": 49}
